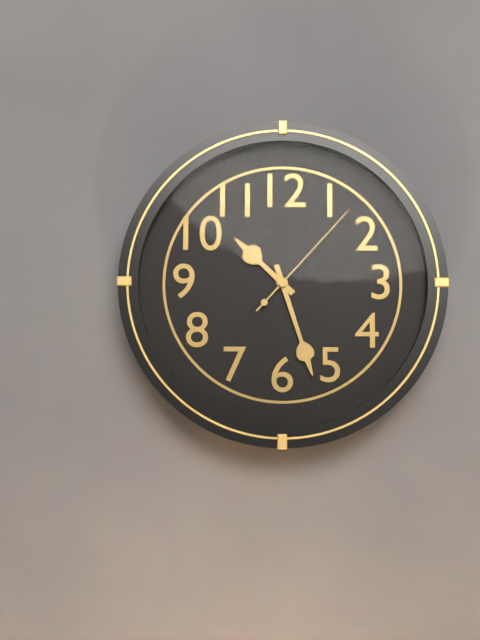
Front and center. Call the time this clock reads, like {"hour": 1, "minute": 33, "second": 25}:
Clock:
{"hour": 10, "minute": 27, "second": 7}
